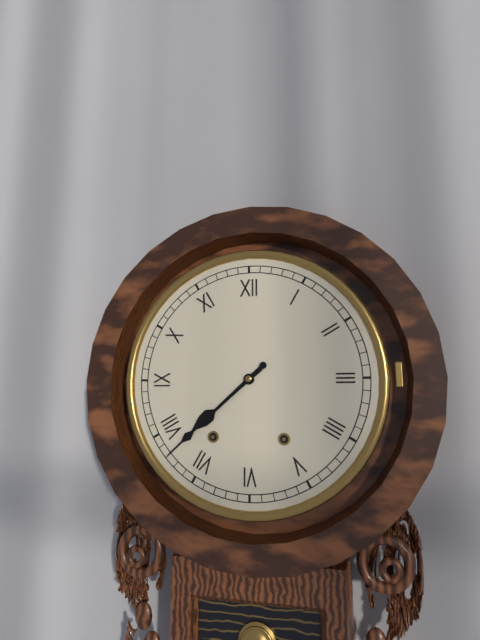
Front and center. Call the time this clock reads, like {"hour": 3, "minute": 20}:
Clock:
{"hour": 7, "minute": 38}
